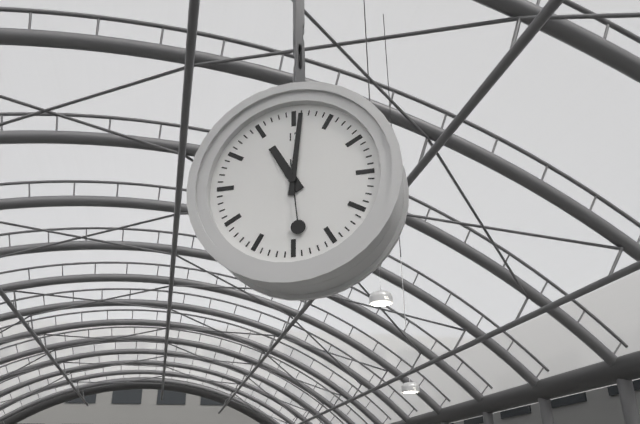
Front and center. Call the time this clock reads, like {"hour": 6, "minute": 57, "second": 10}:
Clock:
{"hour": 11, "minute": 1, "second": 29}
